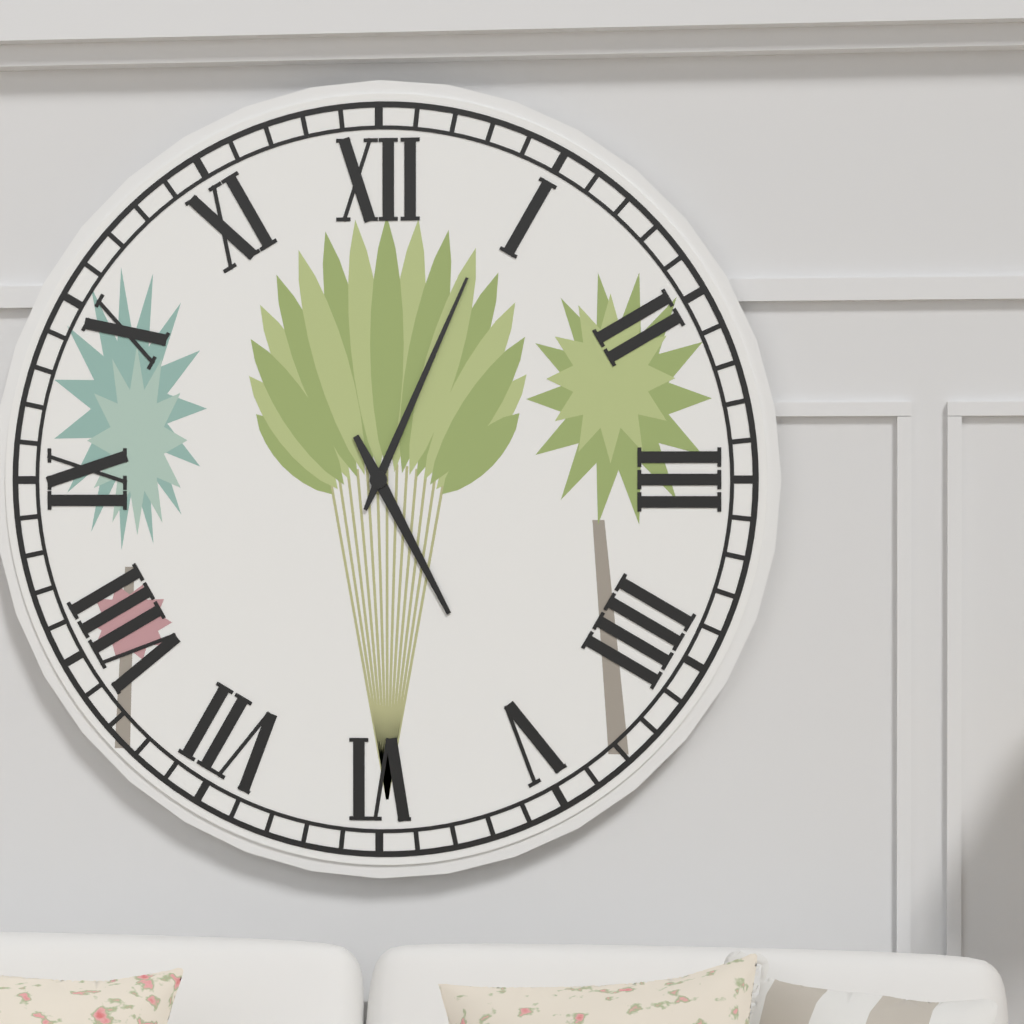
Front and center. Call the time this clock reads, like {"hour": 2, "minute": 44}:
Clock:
{"hour": 5, "minute": 4}
